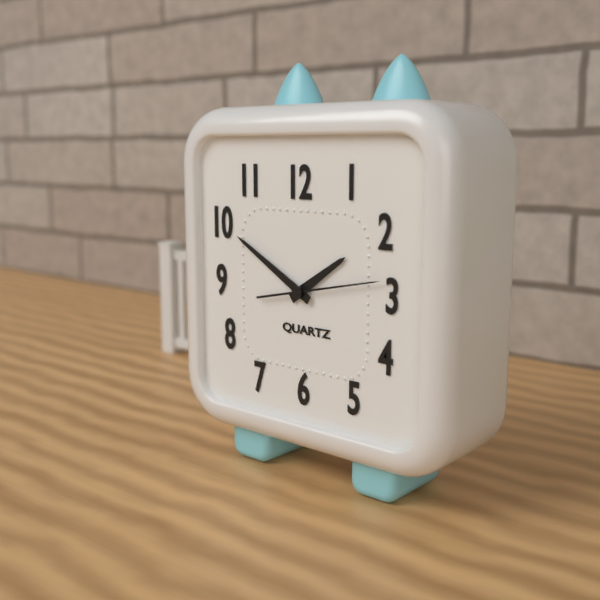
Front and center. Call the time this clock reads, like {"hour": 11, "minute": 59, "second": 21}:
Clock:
{"hour": 1, "minute": 50, "second": 13}
